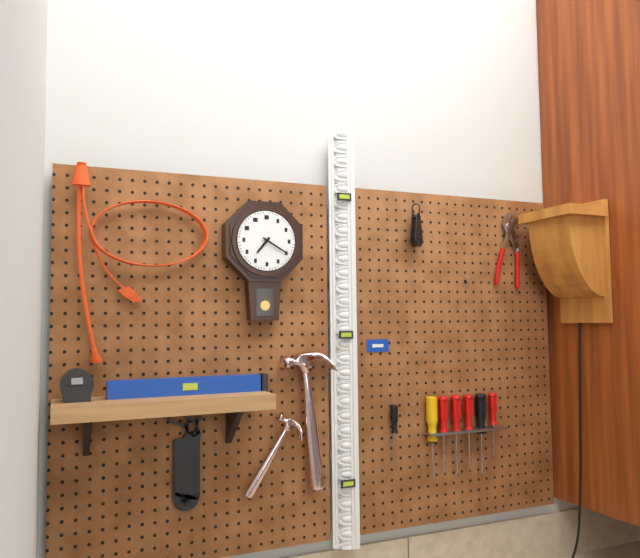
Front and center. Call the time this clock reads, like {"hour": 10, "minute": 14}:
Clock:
{"hour": 7, "minute": 20}
